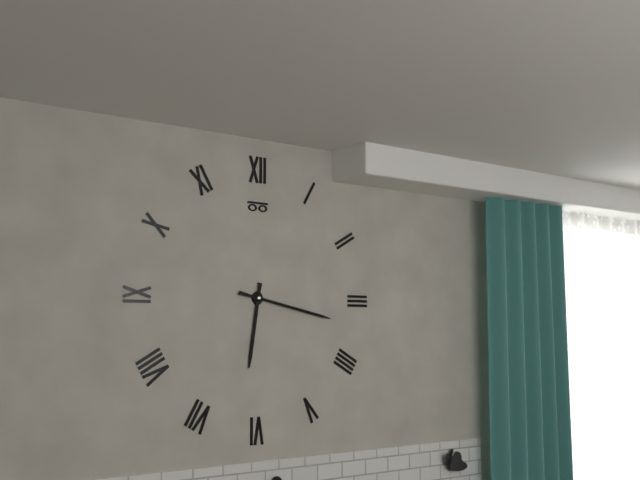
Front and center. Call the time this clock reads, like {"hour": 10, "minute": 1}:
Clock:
{"hour": 6, "minute": 17}
